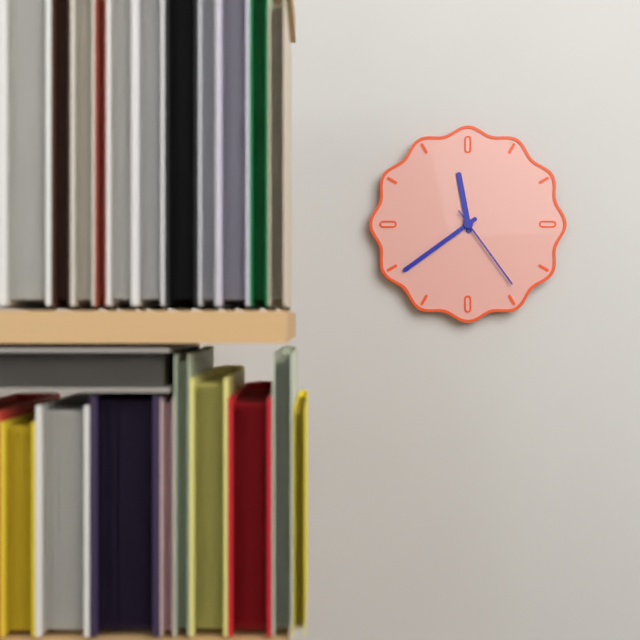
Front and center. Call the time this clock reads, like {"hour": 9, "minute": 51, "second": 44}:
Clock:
{"hour": 11, "minute": 39, "second": 24}
